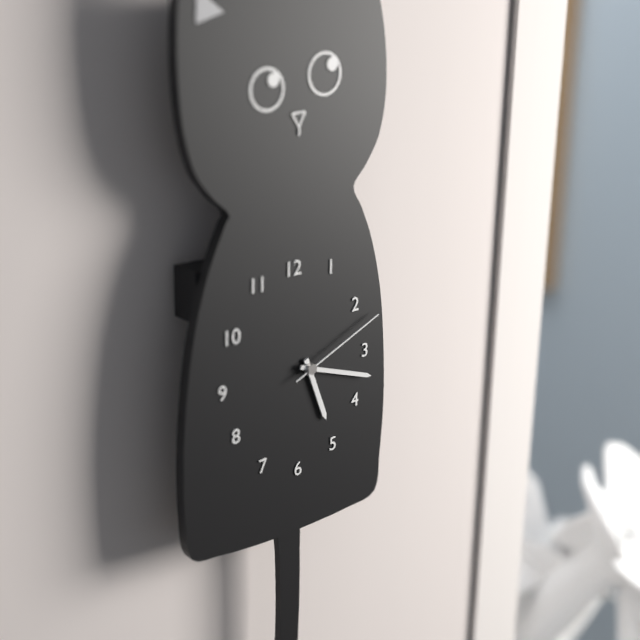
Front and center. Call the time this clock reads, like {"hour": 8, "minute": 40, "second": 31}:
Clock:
{"hour": 5, "minute": 18, "second": 11}
